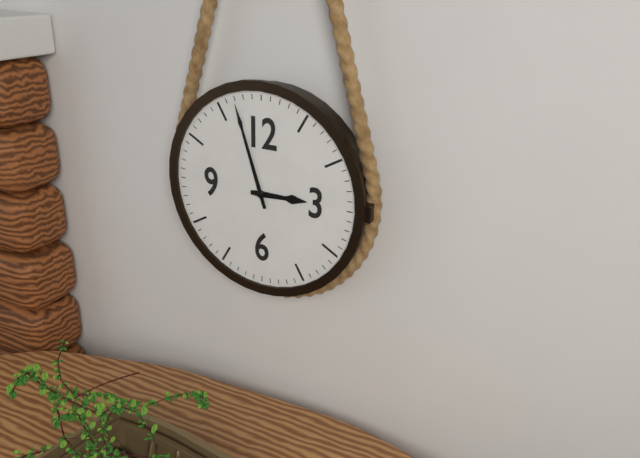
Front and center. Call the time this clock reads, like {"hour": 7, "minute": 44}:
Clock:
{"hour": 2, "minute": 57}
